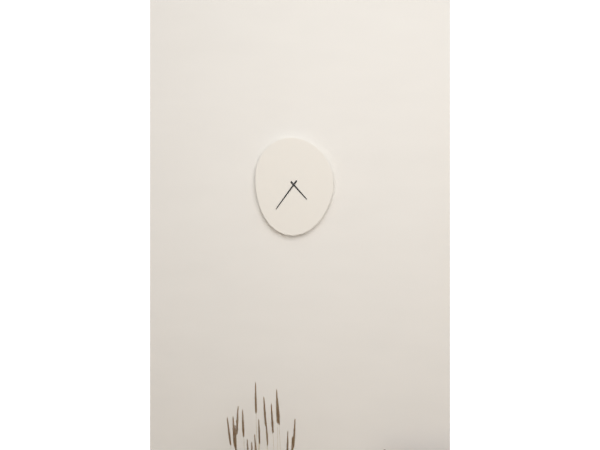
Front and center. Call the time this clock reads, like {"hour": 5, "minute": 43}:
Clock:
{"hour": 4, "minute": 36}
